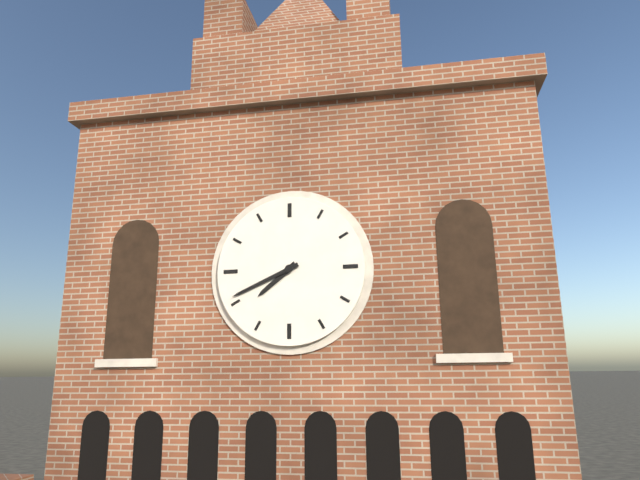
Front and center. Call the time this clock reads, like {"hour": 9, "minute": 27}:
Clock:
{"hour": 7, "minute": 41}
